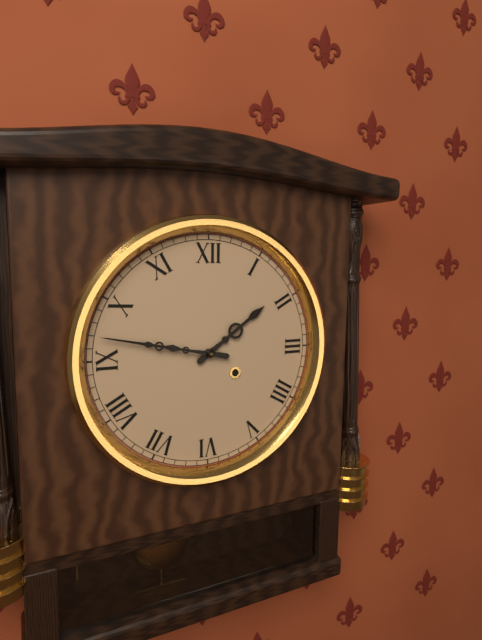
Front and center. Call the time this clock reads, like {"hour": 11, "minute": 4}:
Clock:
{"hour": 1, "minute": 47}
